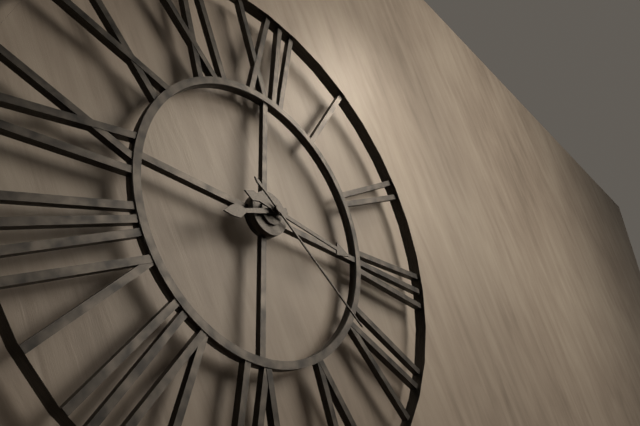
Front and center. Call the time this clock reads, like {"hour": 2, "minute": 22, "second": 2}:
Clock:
{"hour": 8, "minute": 16, "second": 21}
